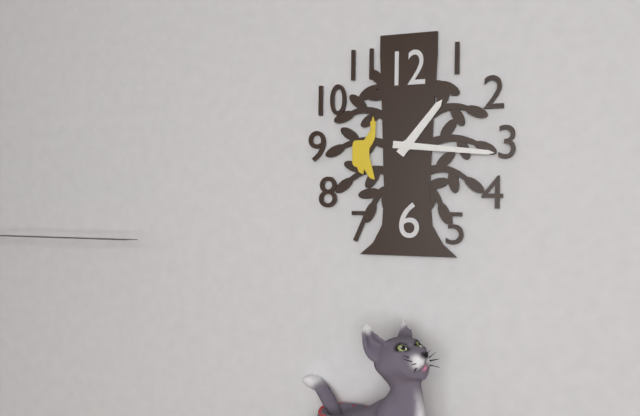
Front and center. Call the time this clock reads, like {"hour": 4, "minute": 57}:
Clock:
{"hour": 1, "minute": 16}
